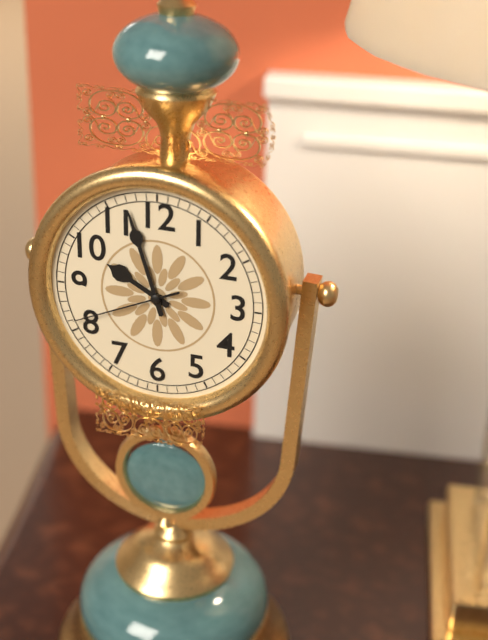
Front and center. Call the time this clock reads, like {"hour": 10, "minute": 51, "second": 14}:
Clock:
{"hour": 9, "minute": 57, "second": 41}
